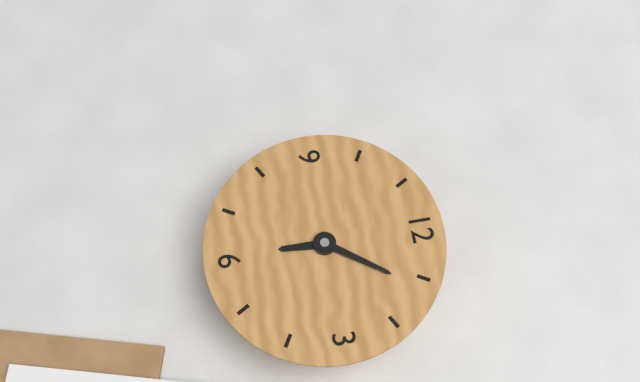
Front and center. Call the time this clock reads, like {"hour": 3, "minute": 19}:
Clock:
{"hour": 6, "minute": 6}
